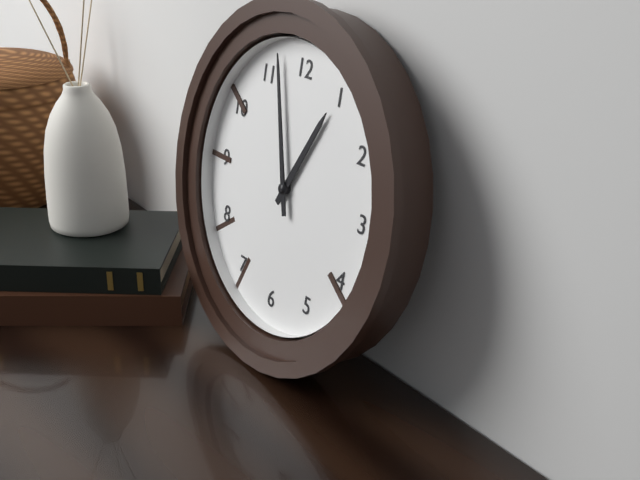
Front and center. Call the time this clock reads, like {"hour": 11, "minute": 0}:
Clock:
{"hour": 12, "minute": 57}
